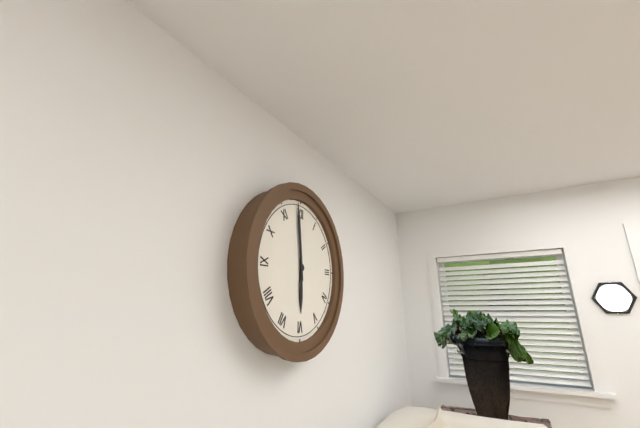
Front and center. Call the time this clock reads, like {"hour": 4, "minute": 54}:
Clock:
{"hour": 5, "minute": 59}
